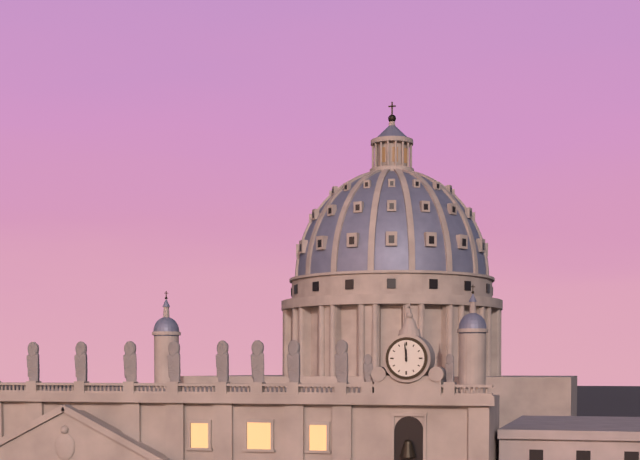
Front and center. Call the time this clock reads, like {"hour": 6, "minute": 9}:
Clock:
{"hour": 11, "minute": 59}
